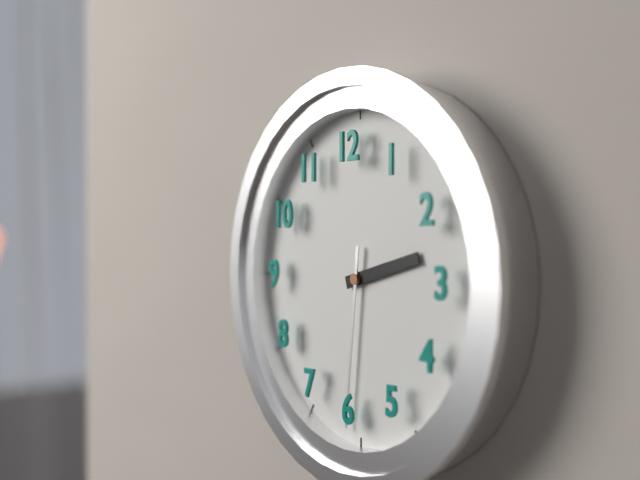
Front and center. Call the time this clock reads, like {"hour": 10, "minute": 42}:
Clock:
{"hour": 2, "minute": 31}
